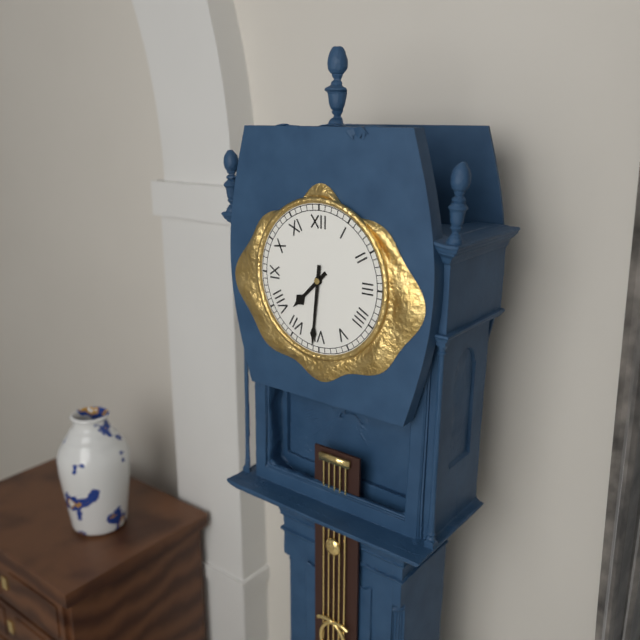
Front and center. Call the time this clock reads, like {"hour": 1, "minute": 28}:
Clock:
{"hour": 7, "minute": 31}
